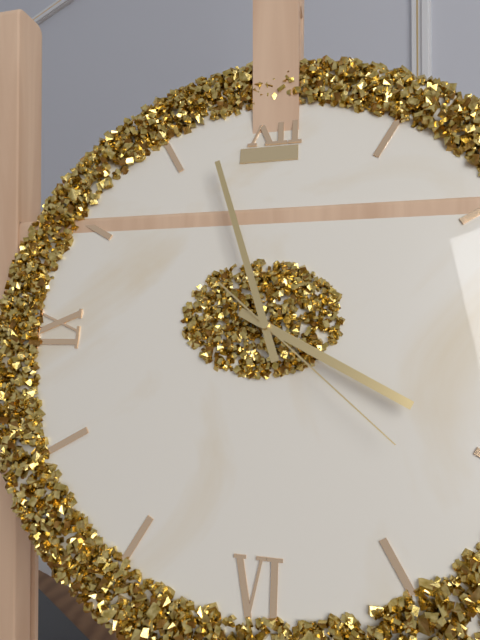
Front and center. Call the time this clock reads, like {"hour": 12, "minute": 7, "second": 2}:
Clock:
{"hour": 3, "minute": 57, "second": 22}
